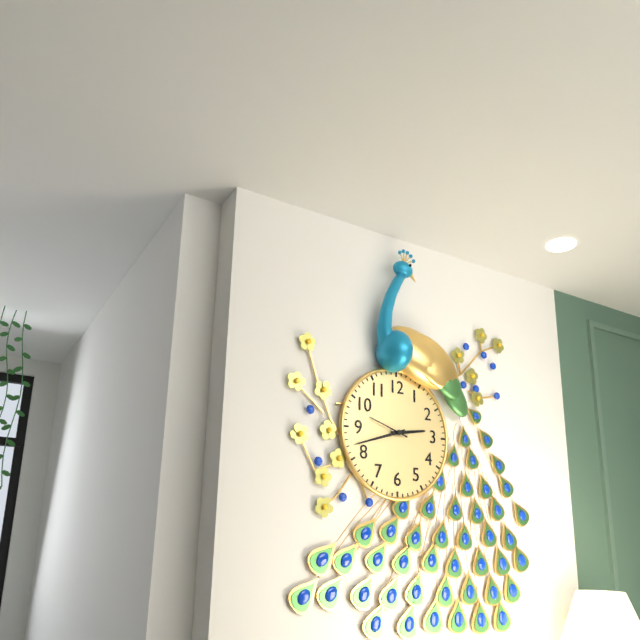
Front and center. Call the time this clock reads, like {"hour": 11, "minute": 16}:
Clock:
{"hour": 2, "minute": 42}
